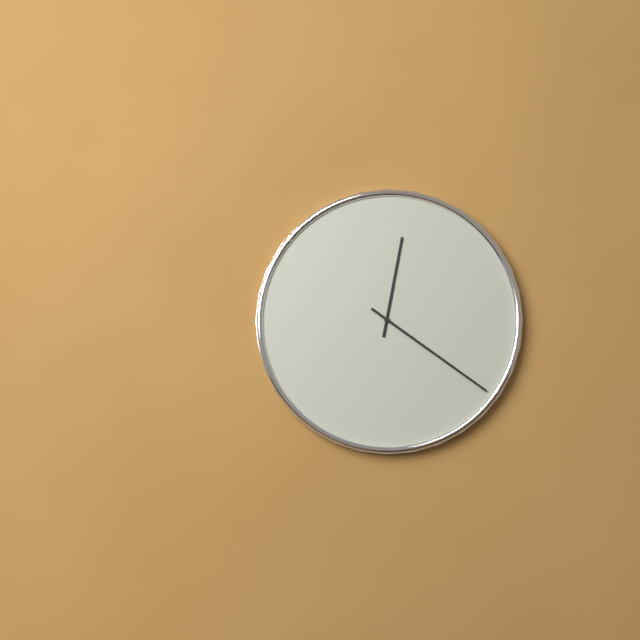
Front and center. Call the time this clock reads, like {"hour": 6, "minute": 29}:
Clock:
{"hour": 12, "minute": 21}
